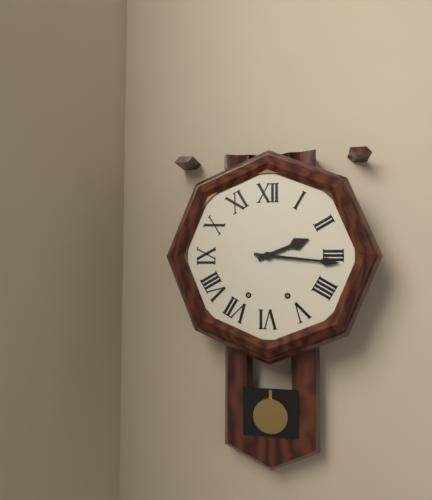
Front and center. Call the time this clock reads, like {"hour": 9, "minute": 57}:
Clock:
{"hour": 2, "minute": 16}
